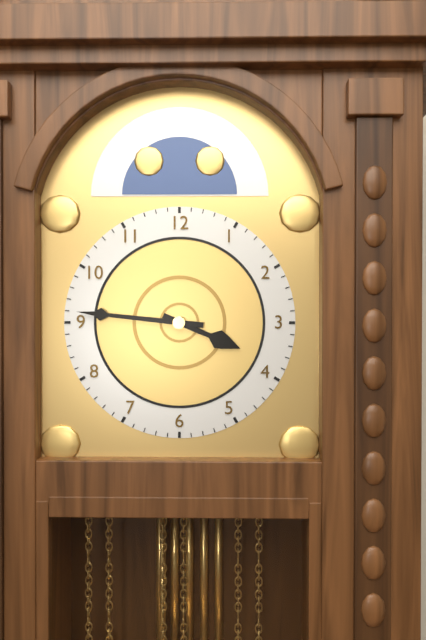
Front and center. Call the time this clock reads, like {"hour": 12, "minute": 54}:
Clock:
{"hour": 3, "minute": 46}
